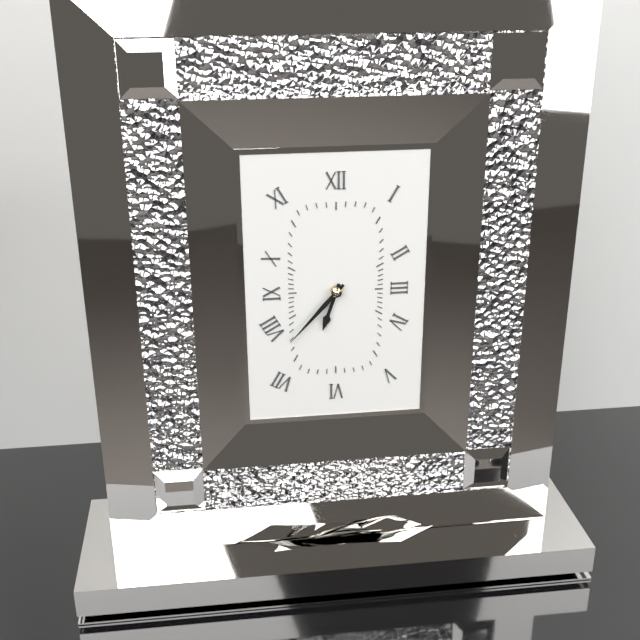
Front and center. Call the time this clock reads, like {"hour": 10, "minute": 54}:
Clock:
{"hour": 6, "minute": 37}
